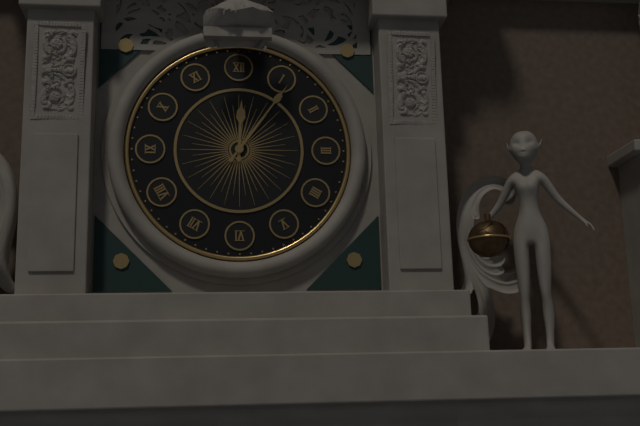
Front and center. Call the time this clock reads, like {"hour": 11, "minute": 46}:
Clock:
{"hour": 12, "minute": 6}
